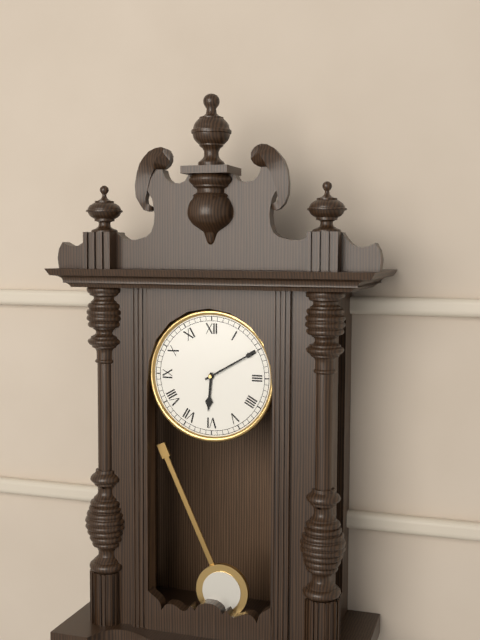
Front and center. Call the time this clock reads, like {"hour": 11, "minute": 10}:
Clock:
{"hour": 6, "minute": 10}
